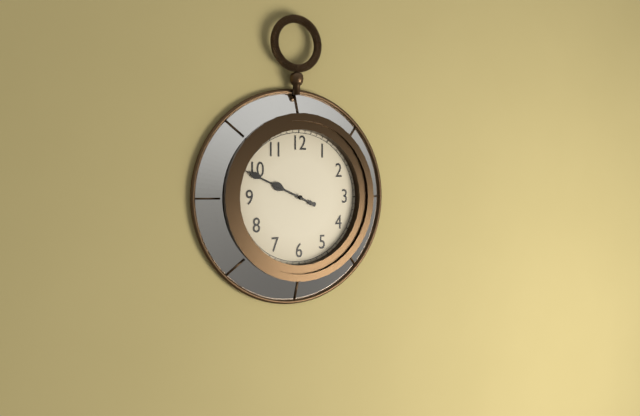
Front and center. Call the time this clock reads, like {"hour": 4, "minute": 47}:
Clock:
{"hour": 9, "minute": 49}
